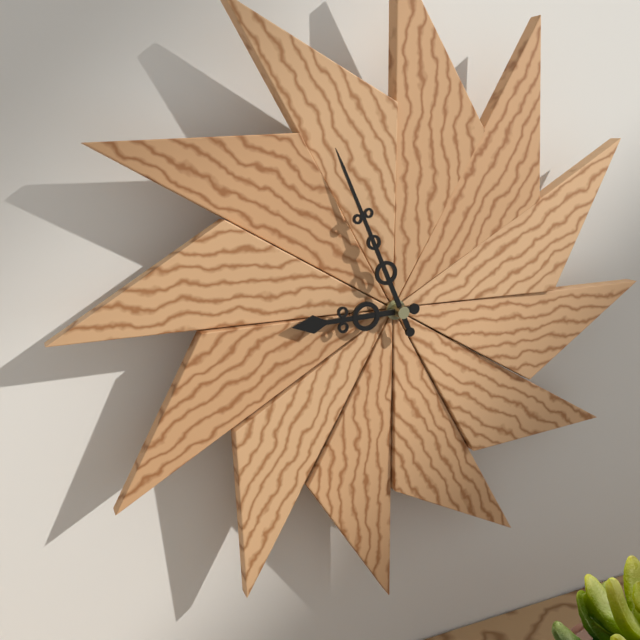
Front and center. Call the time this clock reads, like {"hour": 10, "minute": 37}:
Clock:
{"hour": 8, "minute": 56}
